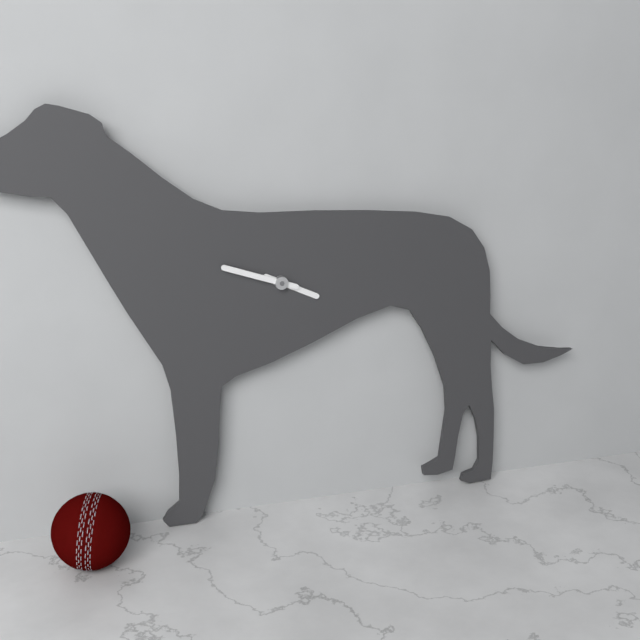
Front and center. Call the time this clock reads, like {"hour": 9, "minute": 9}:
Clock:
{"hour": 3, "minute": 48}
